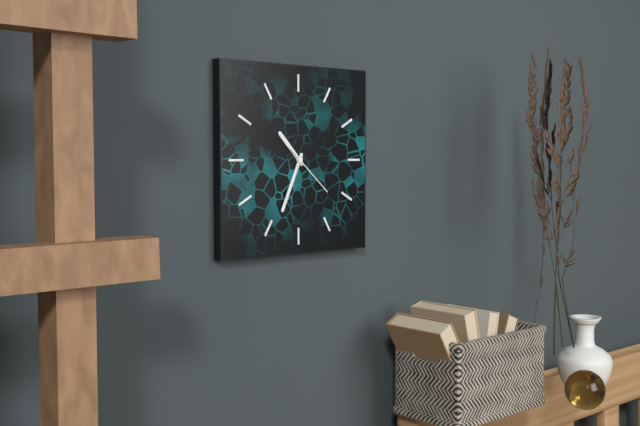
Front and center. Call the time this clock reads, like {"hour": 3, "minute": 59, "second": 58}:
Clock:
{"hour": 10, "minute": 34, "second": 22}
